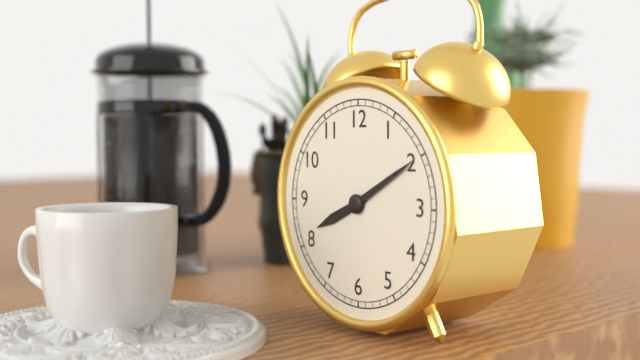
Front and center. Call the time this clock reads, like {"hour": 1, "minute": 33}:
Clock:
{"hour": 8, "minute": 10}
